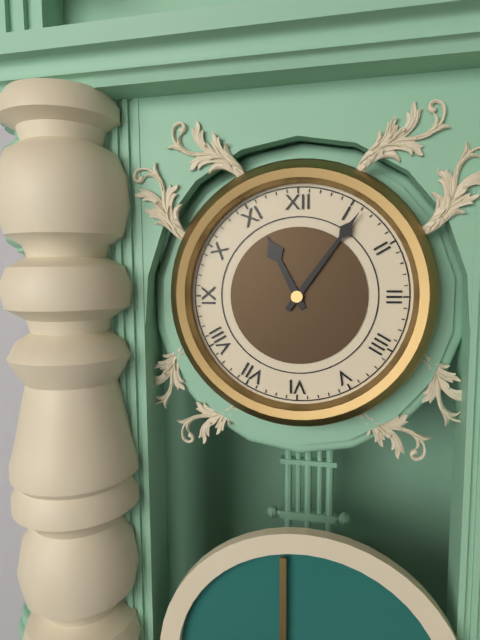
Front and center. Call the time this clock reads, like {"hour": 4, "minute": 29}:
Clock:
{"hour": 11, "minute": 6}
